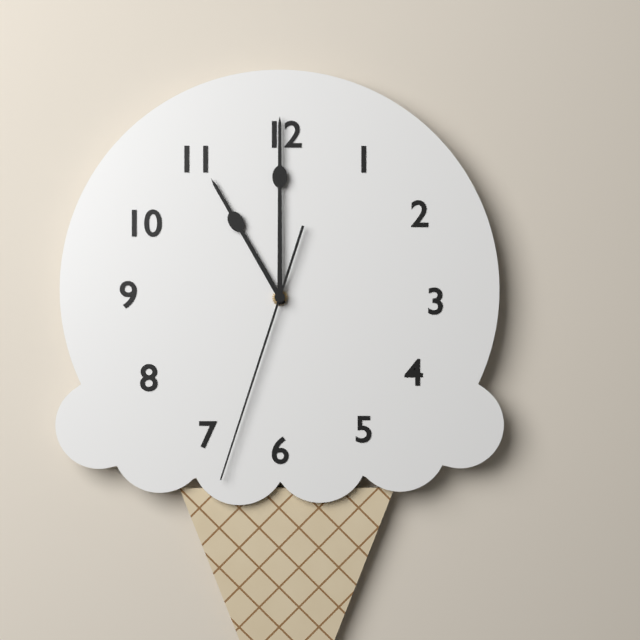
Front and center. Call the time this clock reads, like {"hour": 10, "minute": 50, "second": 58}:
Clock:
{"hour": 11, "minute": 0, "second": 33}
